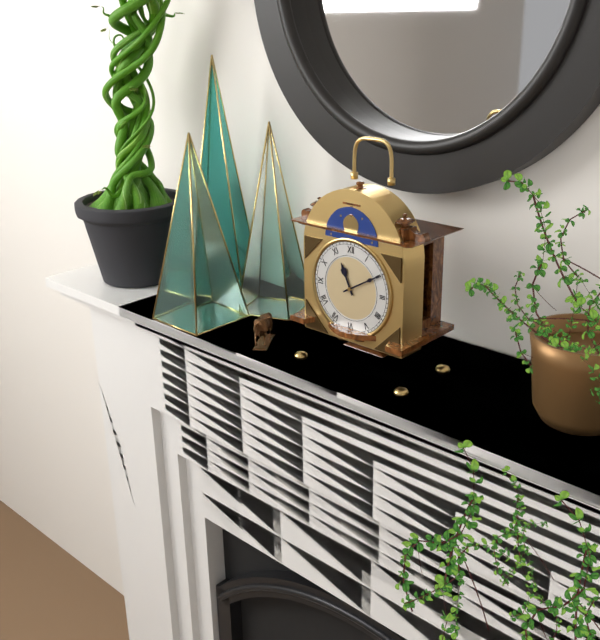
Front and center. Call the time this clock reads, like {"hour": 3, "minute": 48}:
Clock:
{"hour": 11, "minute": 10}
